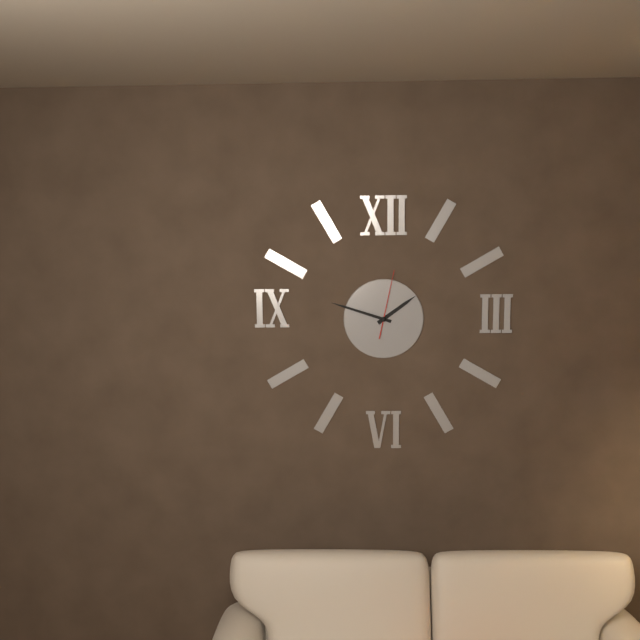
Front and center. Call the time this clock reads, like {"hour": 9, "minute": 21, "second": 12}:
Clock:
{"hour": 1, "minute": 48, "second": 2}
